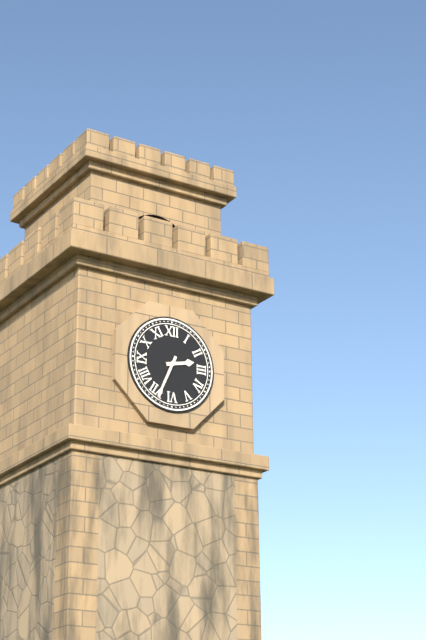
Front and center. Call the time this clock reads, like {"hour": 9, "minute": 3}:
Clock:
{"hour": 2, "minute": 34}
